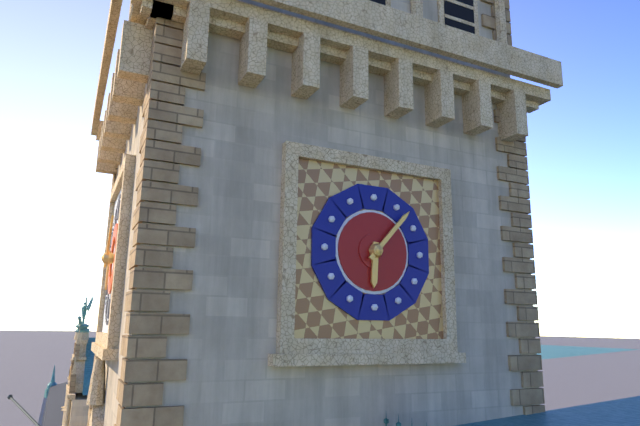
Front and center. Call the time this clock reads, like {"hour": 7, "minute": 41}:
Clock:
{"hour": 6, "minute": 7}
